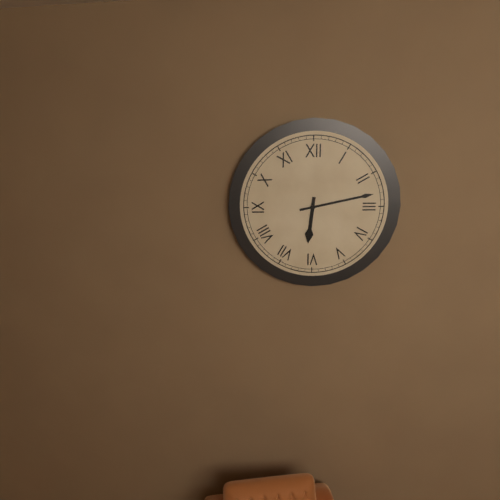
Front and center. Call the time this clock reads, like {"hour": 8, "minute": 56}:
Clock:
{"hour": 6, "minute": 13}
